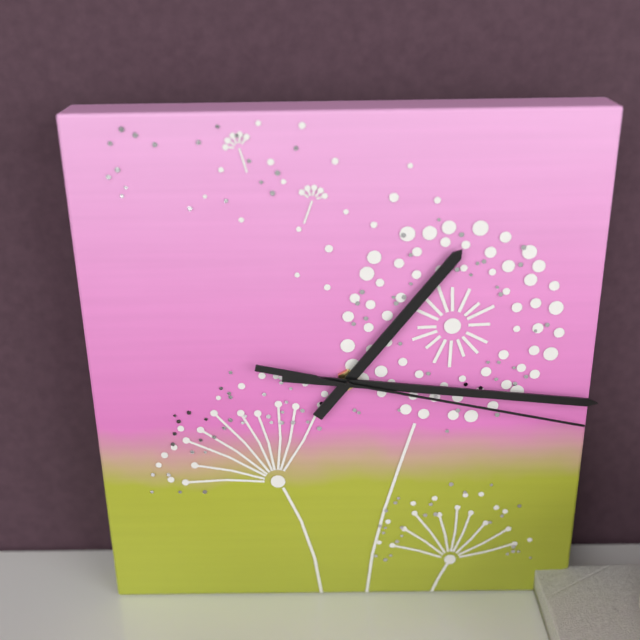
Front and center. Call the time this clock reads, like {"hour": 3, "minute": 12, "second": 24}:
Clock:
{"hour": 1, "minute": 16, "second": 17}
